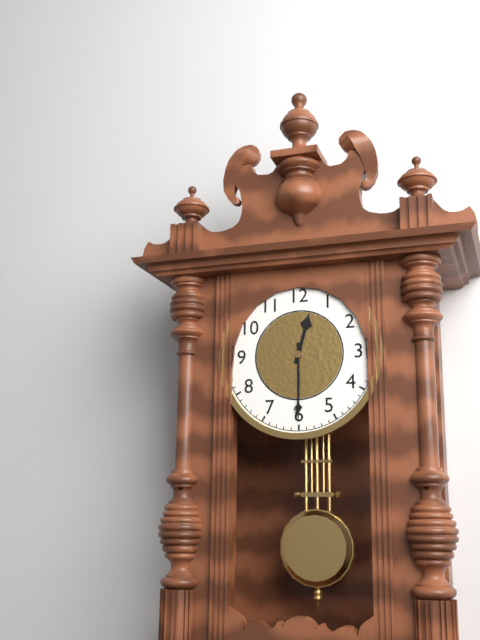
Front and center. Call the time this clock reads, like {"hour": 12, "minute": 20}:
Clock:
{"hour": 12, "minute": 30}
